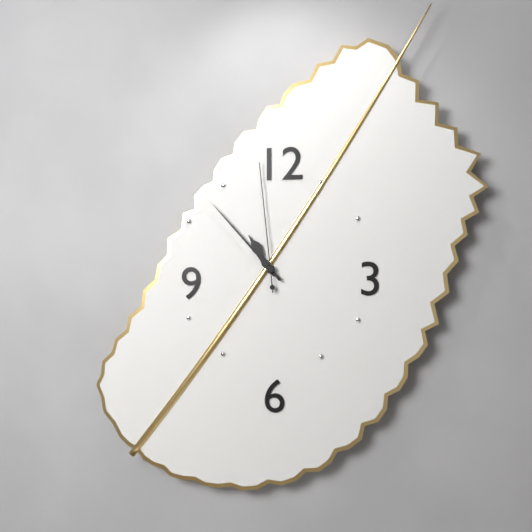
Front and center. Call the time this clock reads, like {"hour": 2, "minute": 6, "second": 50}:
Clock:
{"hour": 10, "minute": 53, "second": 59}
